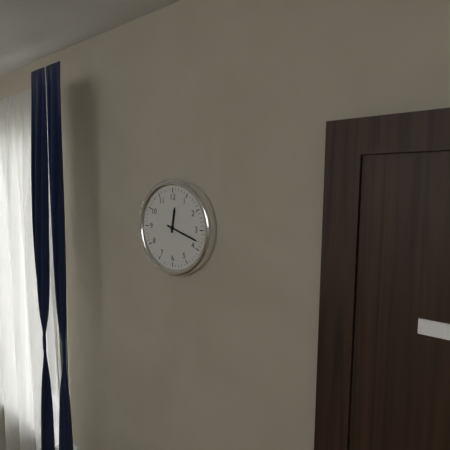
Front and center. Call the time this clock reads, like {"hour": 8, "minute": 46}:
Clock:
{"hour": 12, "minute": 18}
